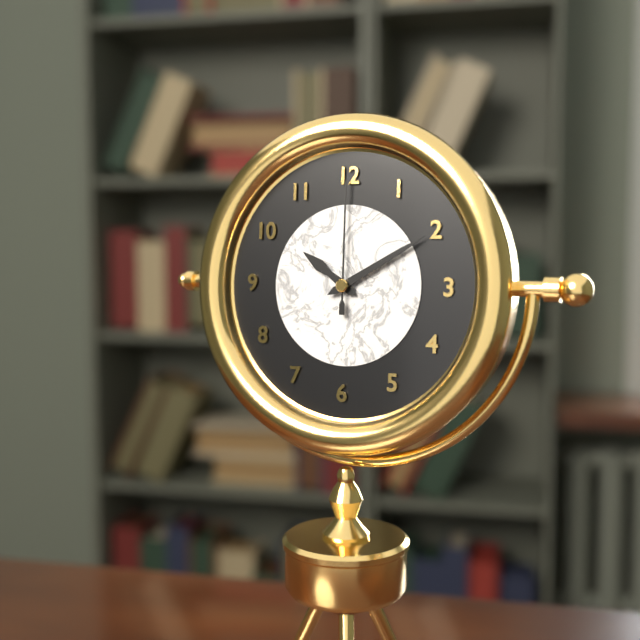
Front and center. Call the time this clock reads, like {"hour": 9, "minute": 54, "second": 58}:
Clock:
{"hour": 10, "minute": 10, "second": 0}
